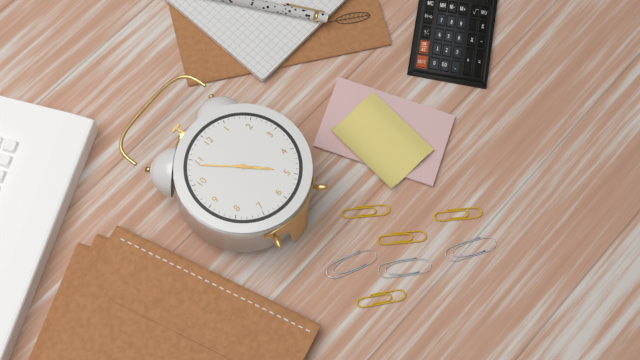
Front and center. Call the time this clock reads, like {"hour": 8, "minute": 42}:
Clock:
{"hour": 4, "minute": 54}
